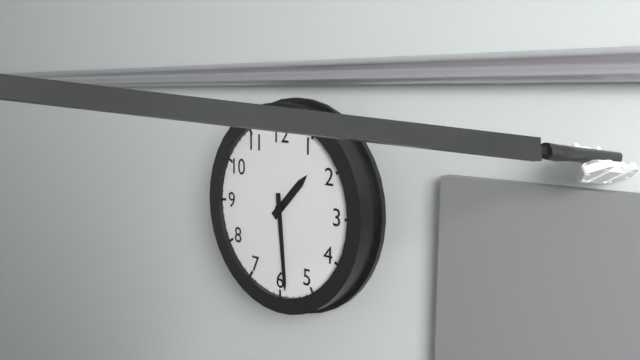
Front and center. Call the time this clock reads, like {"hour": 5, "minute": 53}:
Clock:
{"hour": 1, "minute": 29}
